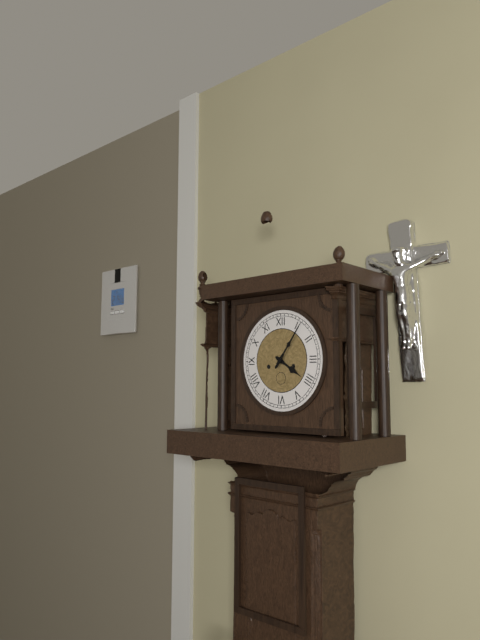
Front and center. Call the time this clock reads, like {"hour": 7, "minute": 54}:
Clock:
{"hour": 4, "minute": 6}
